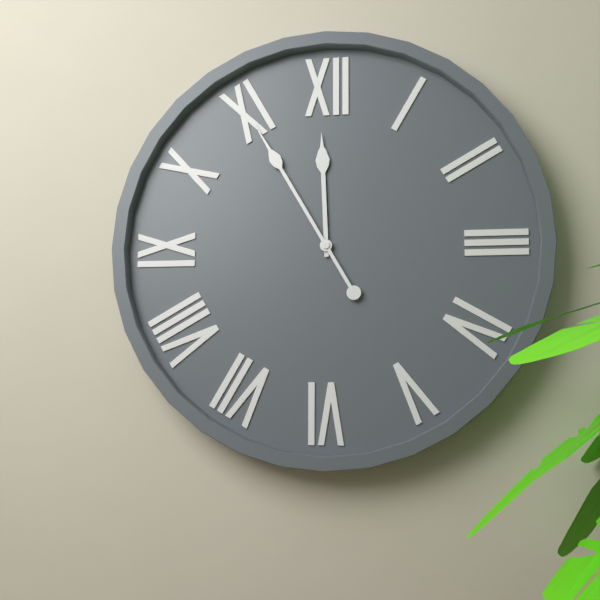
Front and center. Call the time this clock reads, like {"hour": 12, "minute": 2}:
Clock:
{"hour": 11, "minute": 55}
